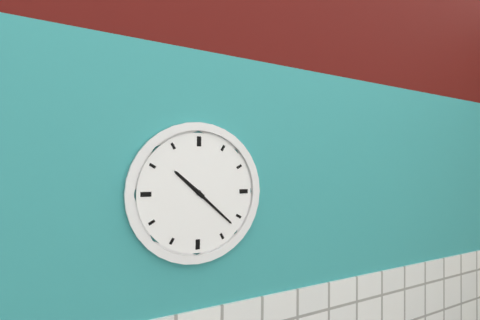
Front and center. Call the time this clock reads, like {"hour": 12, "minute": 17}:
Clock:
{"hour": 10, "minute": 22}
